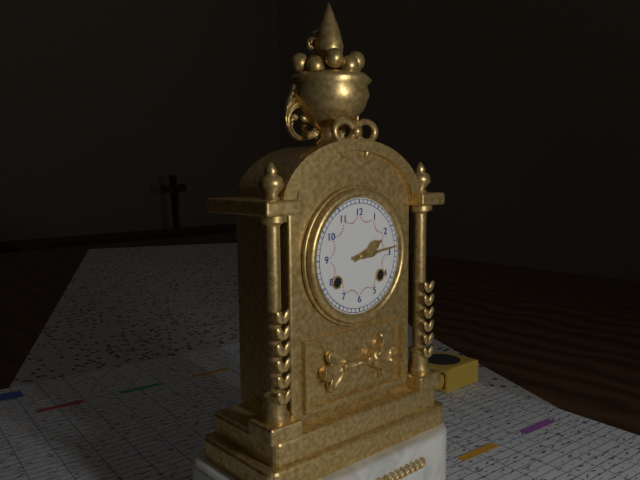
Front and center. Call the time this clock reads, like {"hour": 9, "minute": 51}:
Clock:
{"hour": 2, "minute": 14}
